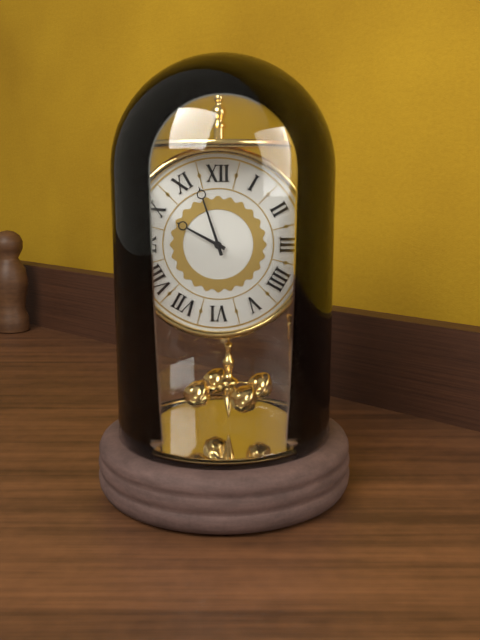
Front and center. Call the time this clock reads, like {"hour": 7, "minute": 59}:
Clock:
{"hour": 9, "minute": 57}
